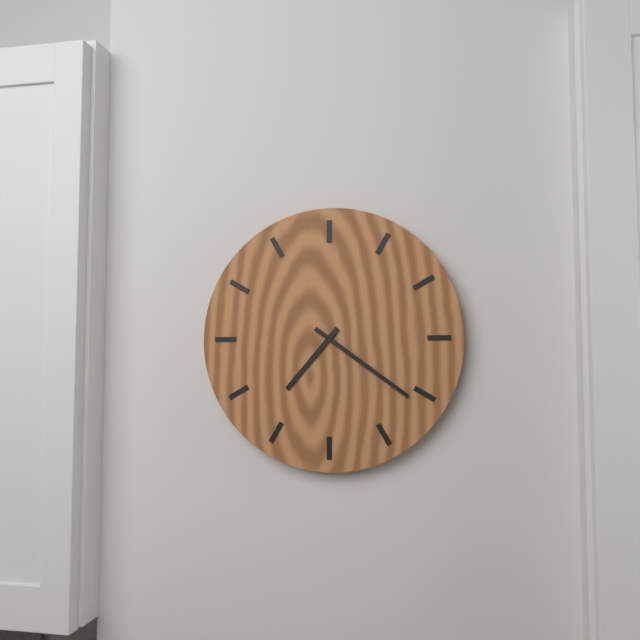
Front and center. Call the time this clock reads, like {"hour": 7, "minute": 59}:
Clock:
{"hour": 7, "minute": 21}
